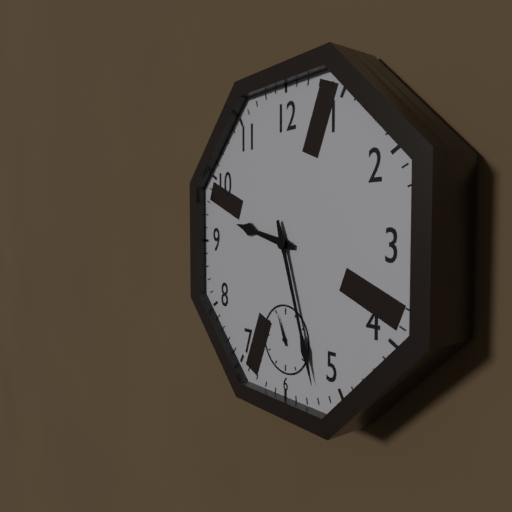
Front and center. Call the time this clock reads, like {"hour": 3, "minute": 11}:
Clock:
{"hour": 9, "minute": 27}
